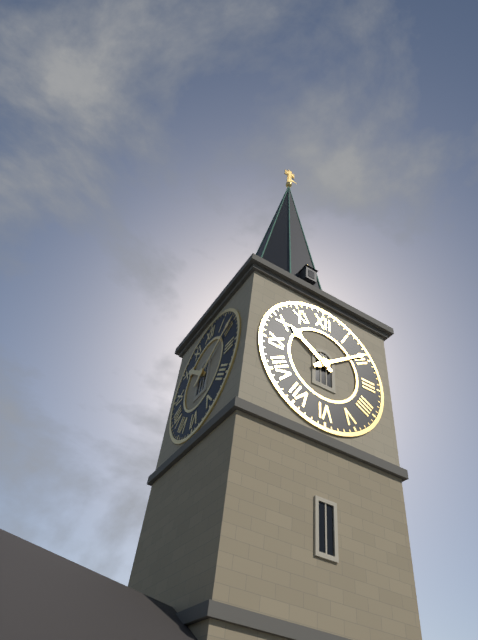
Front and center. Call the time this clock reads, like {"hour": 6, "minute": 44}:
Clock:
{"hour": 10, "minute": 9}
